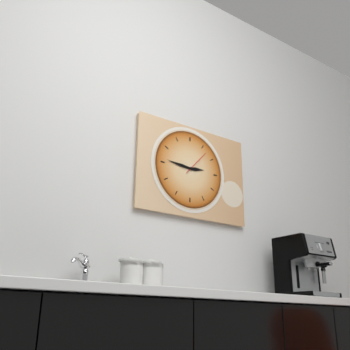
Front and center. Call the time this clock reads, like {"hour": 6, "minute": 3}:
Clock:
{"hour": 2, "minute": 46}
